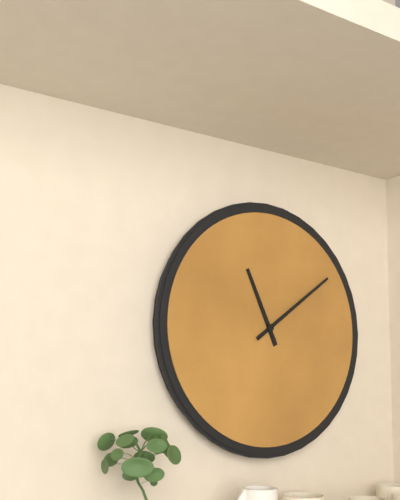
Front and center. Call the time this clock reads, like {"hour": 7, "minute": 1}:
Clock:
{"hour": 11, "minute": 9}
